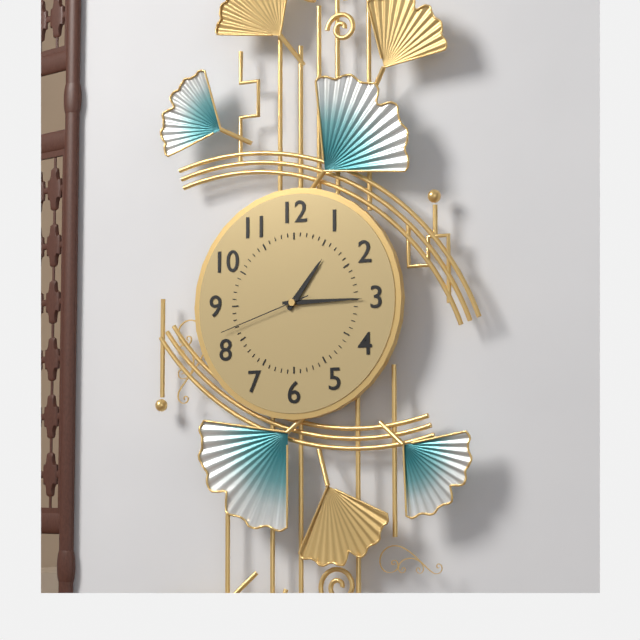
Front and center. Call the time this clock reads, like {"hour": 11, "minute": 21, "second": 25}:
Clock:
{"hour": 1, "minute": 15, "second": 42}
